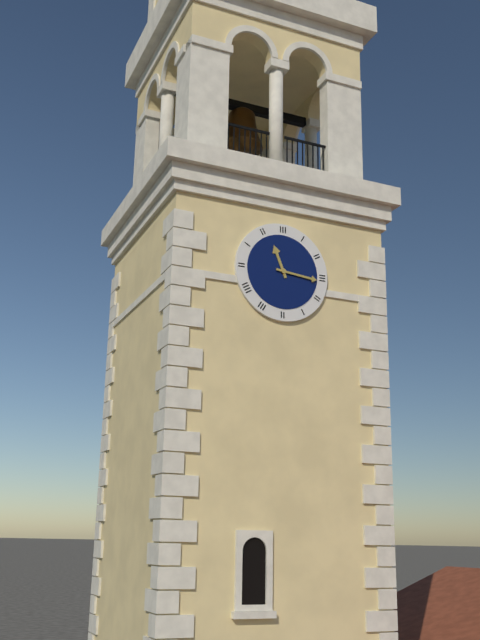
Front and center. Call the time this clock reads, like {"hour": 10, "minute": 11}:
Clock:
{"hour": 11, "minute": 16}
